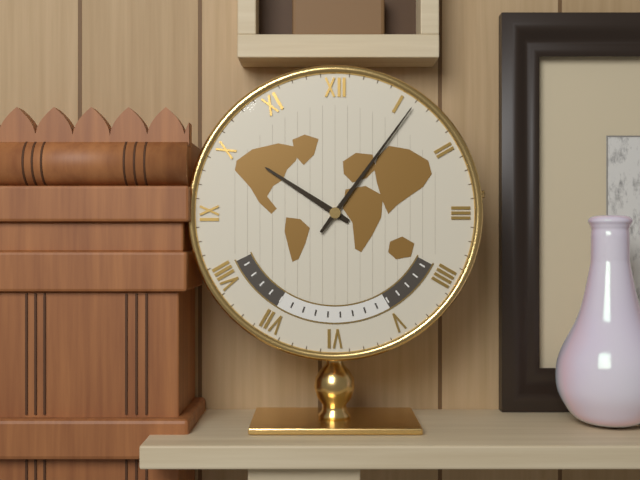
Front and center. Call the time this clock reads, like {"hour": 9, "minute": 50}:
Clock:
{"hour": 10, "minute": 6}
